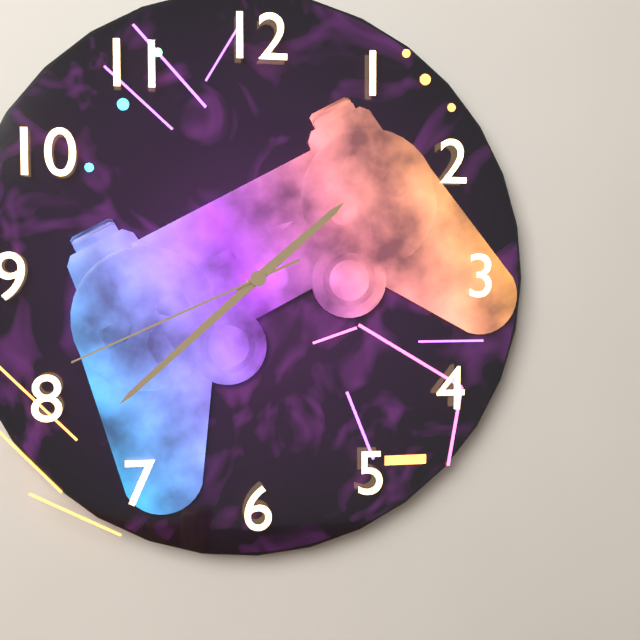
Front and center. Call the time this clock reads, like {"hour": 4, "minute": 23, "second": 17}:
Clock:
{"hour": 1, "minute": 38, "second": 41}
